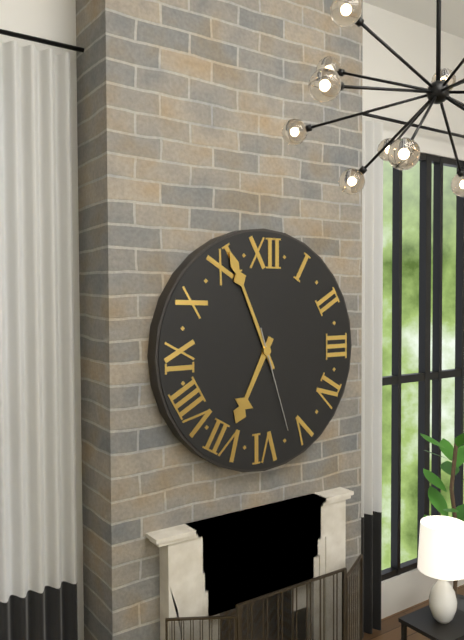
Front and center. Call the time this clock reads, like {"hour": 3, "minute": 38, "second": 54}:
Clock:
{"hour": 6, "minute": 56, "second": 27}
